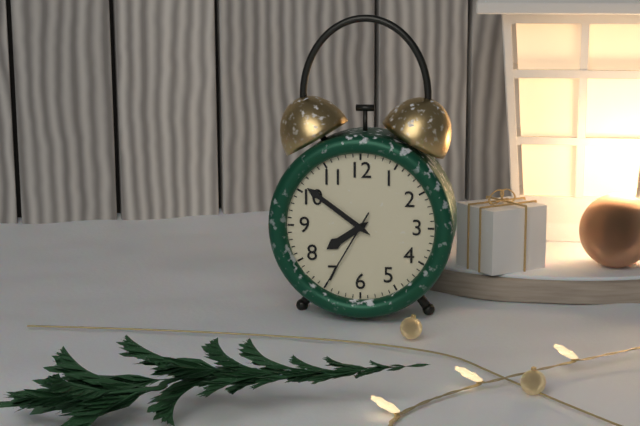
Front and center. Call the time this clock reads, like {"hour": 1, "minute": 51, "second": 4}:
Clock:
{"hour": 7, "minute": 51, "second": 35}
